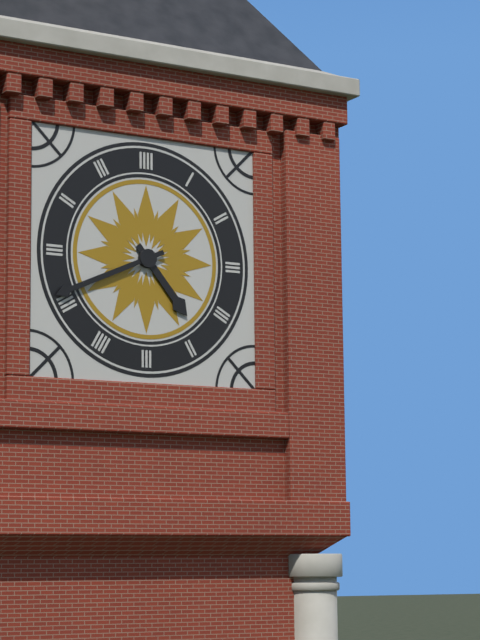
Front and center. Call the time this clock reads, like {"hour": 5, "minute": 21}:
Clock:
{"hour": 4, "minute": 41}
